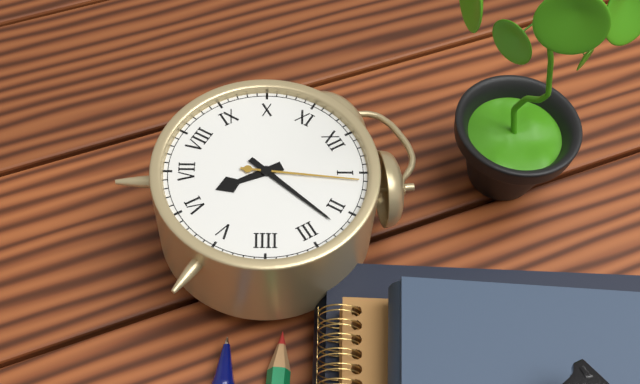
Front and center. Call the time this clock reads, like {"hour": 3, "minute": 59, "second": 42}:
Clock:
{"hour": 6, "minute": 12, "second": 6}
